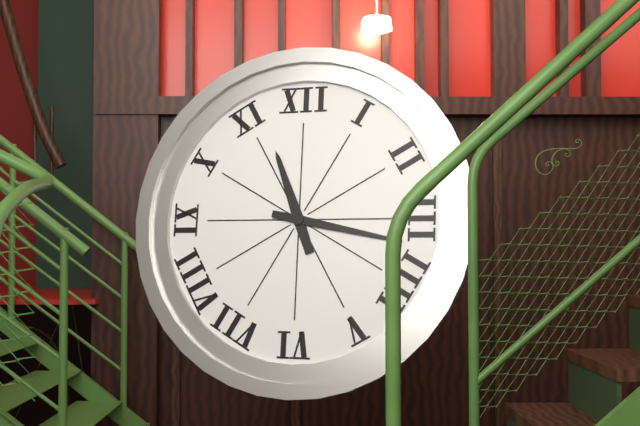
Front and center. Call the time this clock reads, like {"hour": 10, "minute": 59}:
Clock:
{"hour": 11, "minute": 17}
